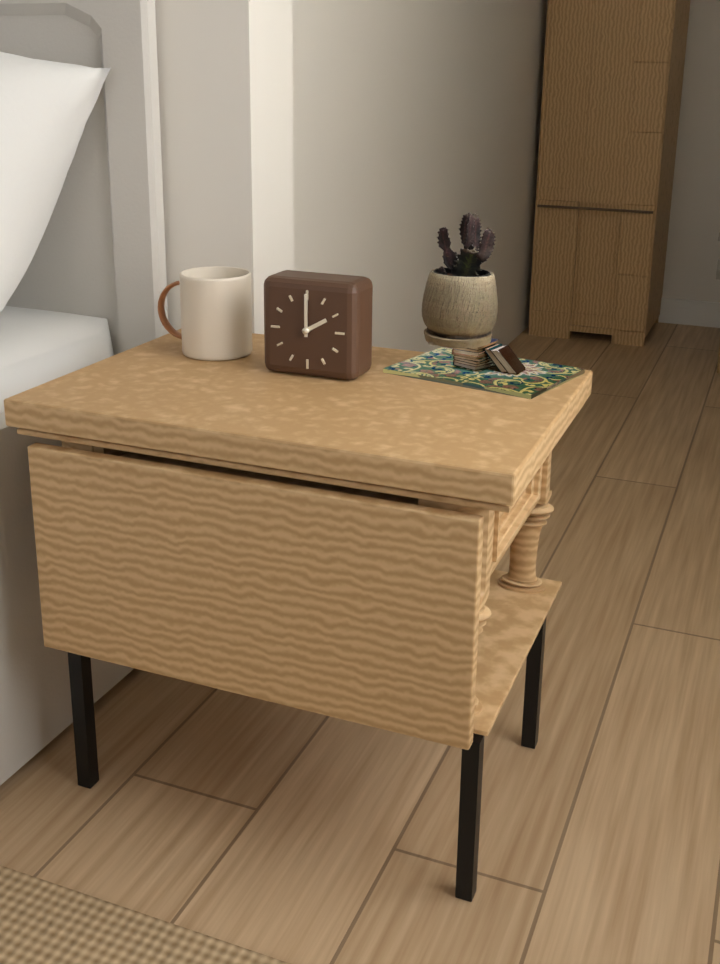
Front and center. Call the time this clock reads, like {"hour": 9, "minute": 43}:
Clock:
{"hour": 2, "minute": 0}
